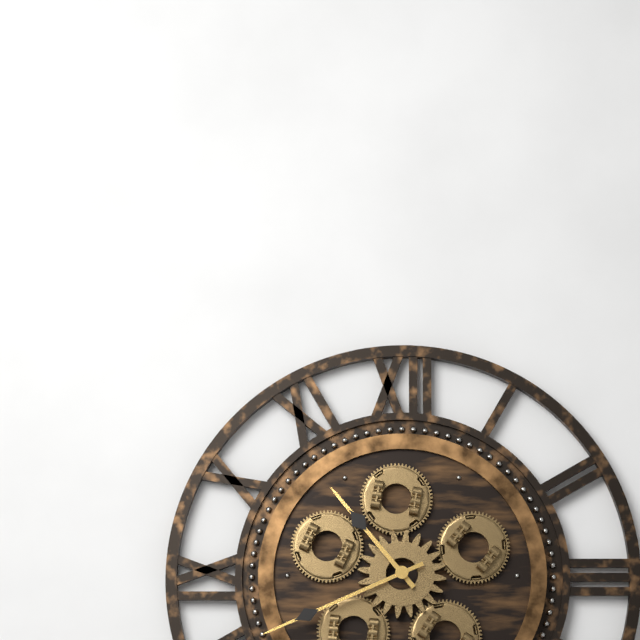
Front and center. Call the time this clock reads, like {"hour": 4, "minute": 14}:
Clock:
{"hour": 10, "minute": 41}
